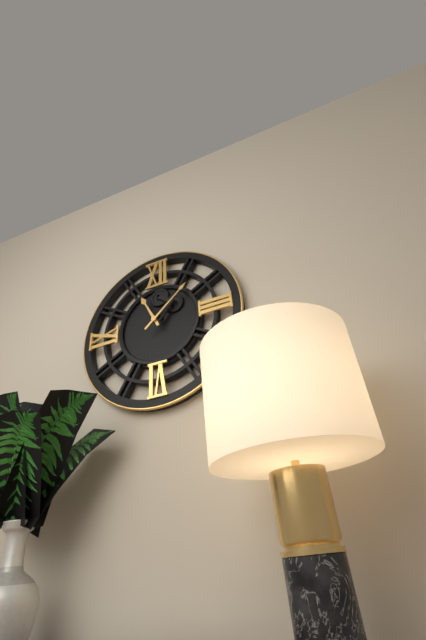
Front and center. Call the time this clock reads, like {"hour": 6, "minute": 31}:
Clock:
{"hour": 11, "minute": 8}
